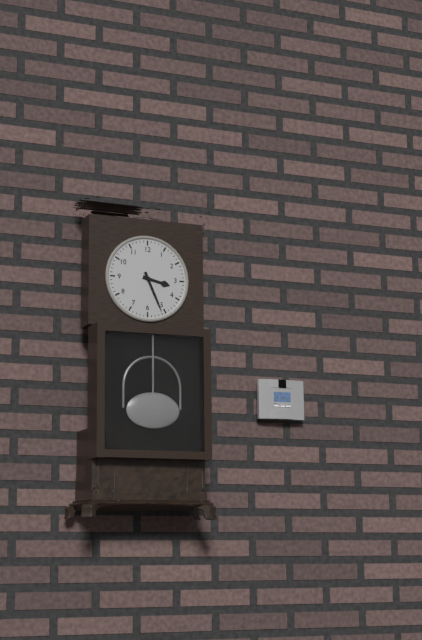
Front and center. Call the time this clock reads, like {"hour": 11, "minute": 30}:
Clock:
{"hour": 3, "minute": 26}
